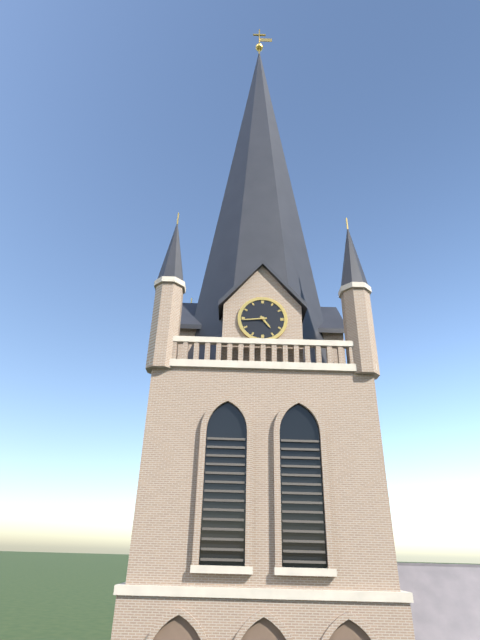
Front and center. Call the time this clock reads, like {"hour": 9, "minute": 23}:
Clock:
{"hour": 4, "minute": 44}
